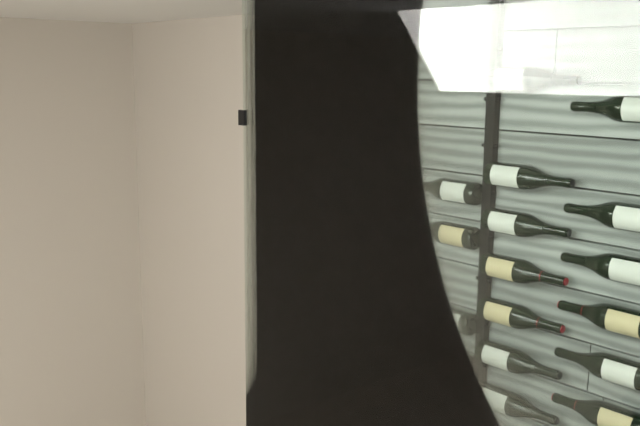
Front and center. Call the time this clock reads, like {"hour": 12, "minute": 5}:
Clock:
{"hour": 5, "minute": 33}
